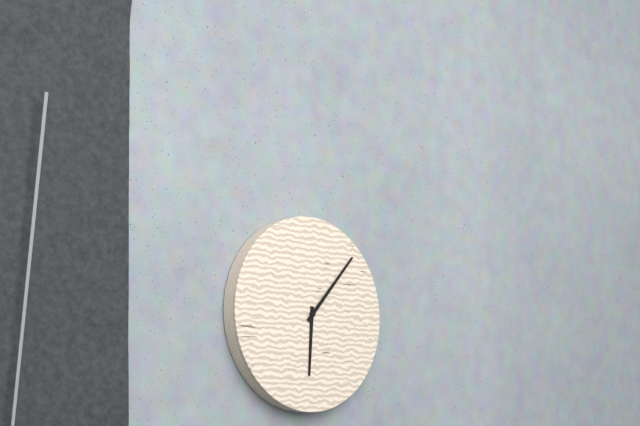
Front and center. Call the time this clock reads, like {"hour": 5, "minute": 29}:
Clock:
{"hour": 6, "minute": 7}
